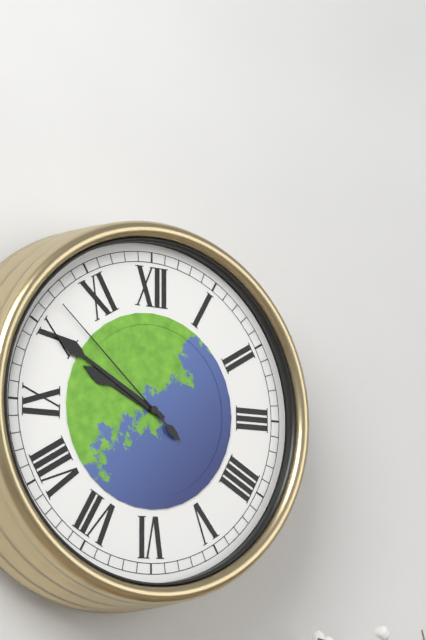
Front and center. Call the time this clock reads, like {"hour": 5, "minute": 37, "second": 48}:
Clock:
{"hour": 9, "minute": 50, "second": 52}
